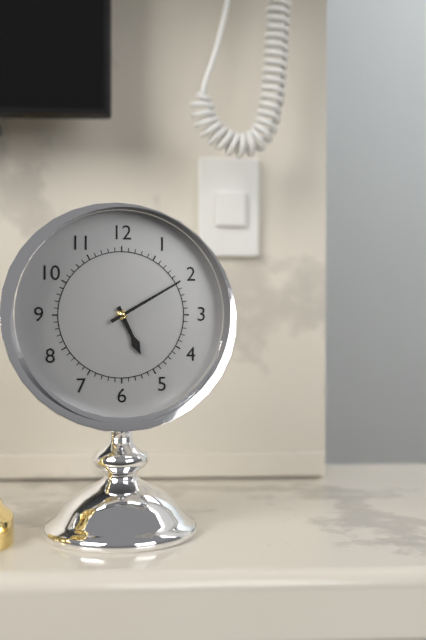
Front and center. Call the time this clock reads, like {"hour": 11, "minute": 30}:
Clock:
{"hour": 5, "minute": 10}
